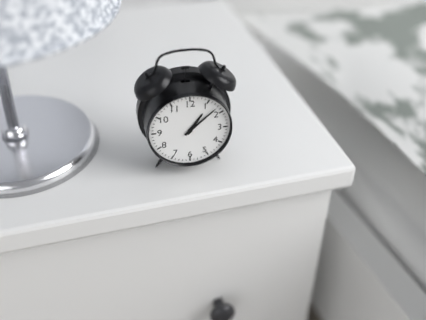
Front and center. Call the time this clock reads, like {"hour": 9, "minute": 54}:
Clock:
{"hour": 1, "minute": 8}
